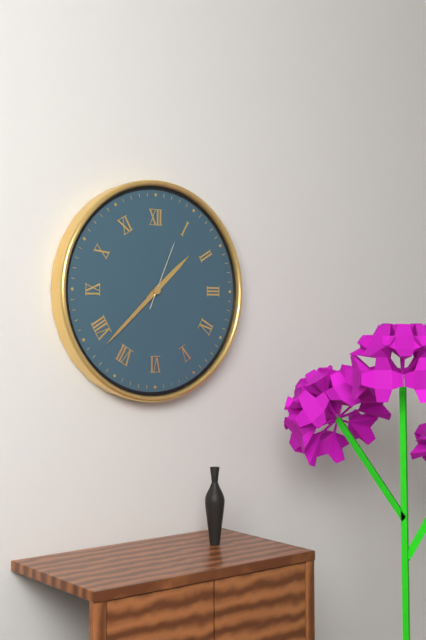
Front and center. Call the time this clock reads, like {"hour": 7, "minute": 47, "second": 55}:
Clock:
{"hour": 1, "minute": 38, "second": 4}
